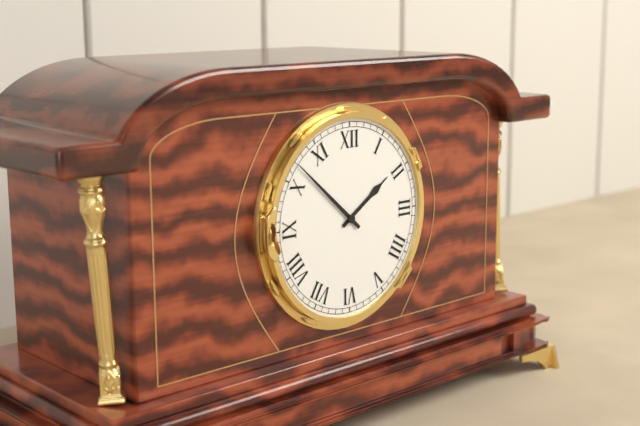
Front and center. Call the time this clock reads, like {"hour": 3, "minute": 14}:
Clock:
{"hour": 1, "minute": 52}
